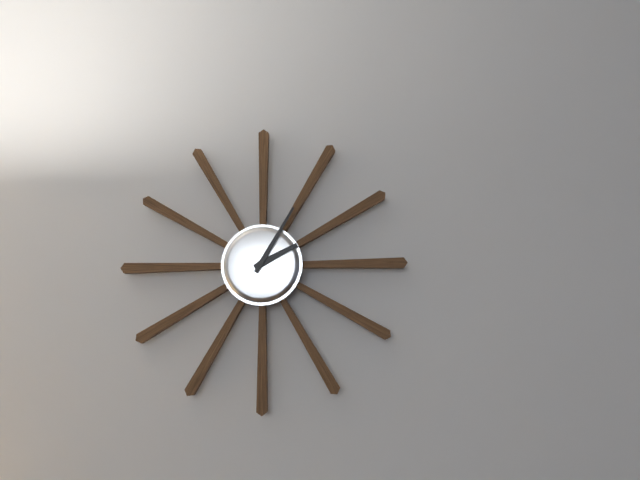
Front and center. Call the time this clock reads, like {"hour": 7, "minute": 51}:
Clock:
{"hour": 2, "minute": 5}
